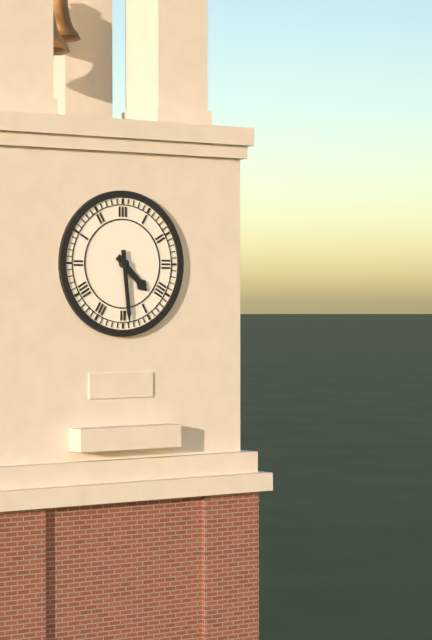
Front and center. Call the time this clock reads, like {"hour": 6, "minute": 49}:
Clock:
{"hour": 4, "minute": 29}
